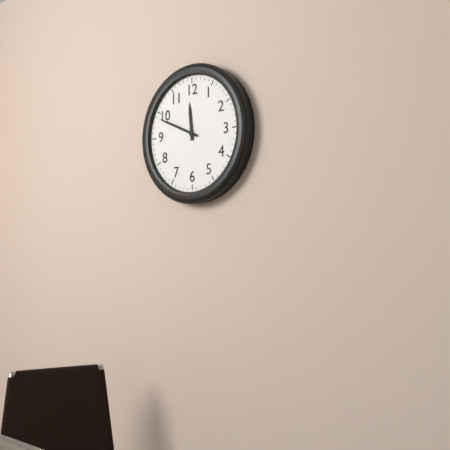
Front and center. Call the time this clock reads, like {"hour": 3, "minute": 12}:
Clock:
{"hour": 11, "minute": 49}
